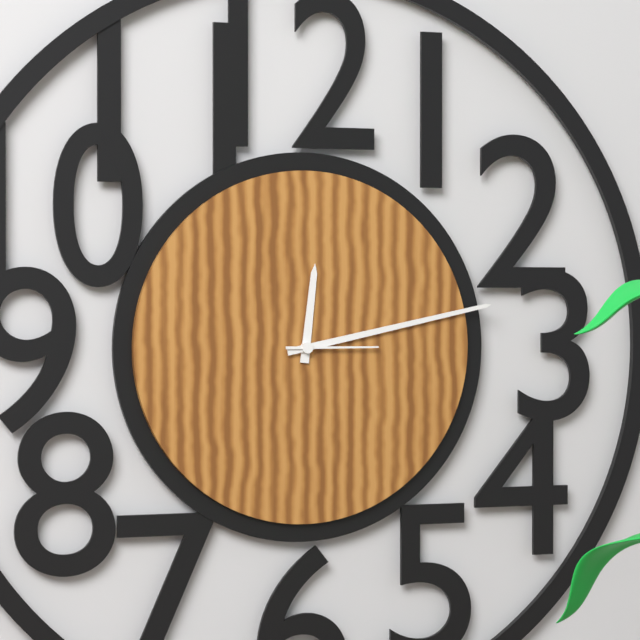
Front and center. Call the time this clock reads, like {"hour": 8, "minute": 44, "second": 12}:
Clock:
{"hour": 12, "minute": 13, "second": 15}
